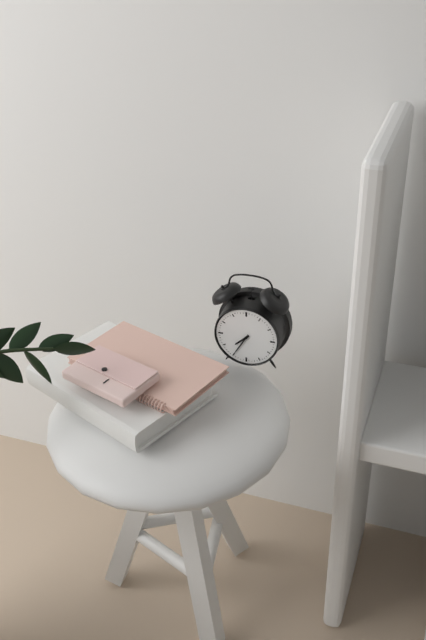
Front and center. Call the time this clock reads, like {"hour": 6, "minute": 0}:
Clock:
{"hour": 7, "minute": 35}
